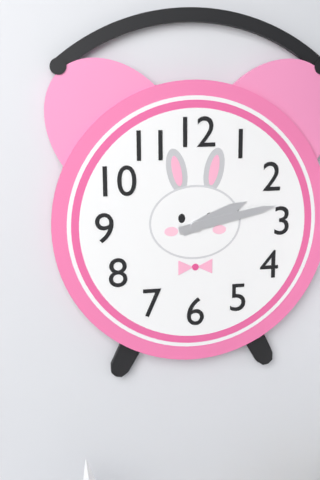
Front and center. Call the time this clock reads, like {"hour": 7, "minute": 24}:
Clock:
{"hour": 2, "minute": 13}
